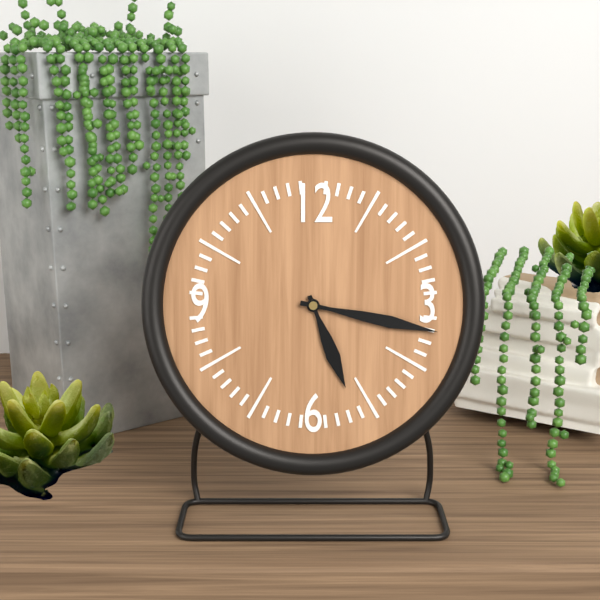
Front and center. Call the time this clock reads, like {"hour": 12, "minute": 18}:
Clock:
{"hour": 5, "minute": 17}
